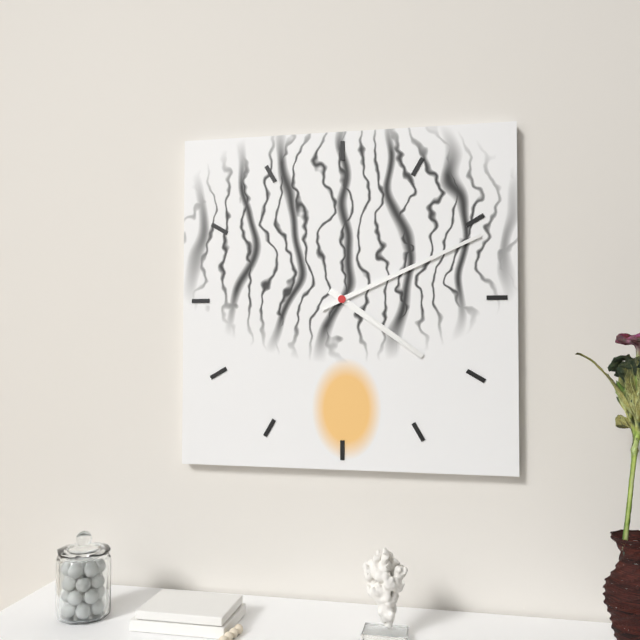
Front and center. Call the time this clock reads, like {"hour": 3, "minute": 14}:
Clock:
{"hour": 4, "minute": 11}
